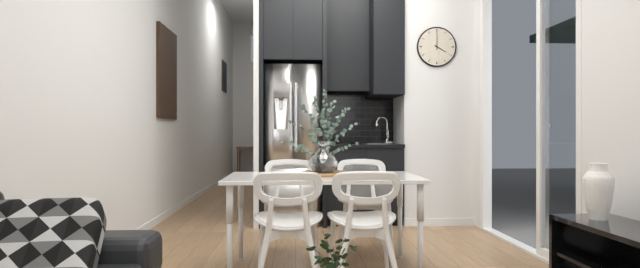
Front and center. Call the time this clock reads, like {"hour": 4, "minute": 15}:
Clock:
{"hour": 4, "minute": 0}
